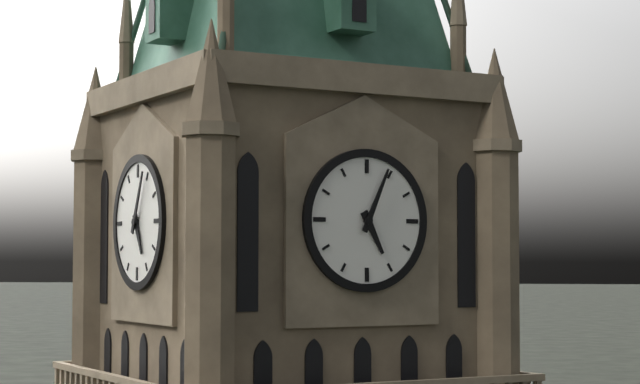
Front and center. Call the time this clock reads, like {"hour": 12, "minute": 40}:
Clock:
{"hour": 5, "minute": 4}
